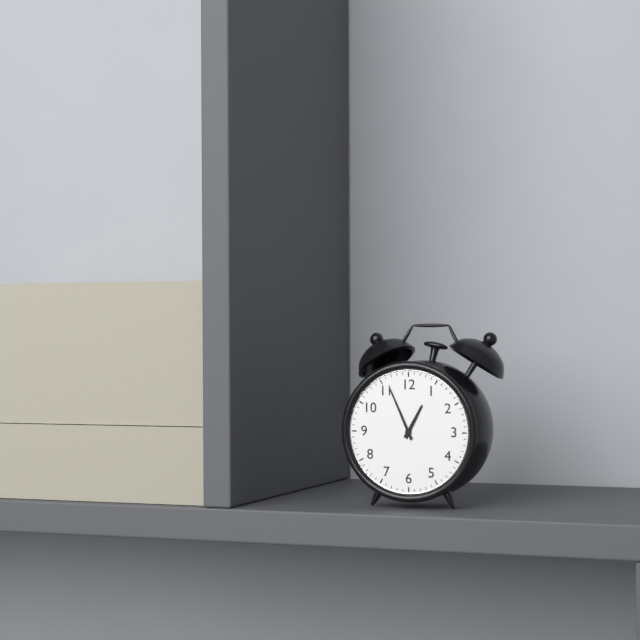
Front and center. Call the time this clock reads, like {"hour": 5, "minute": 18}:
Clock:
{"hour": 12, "minute": 56}
